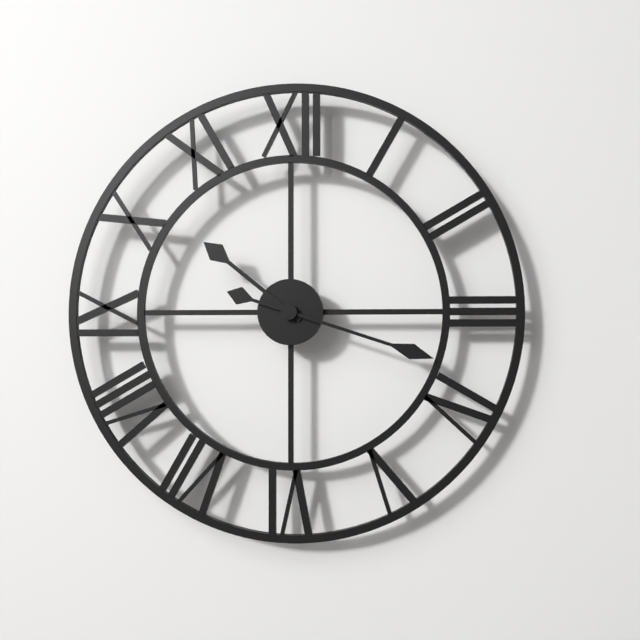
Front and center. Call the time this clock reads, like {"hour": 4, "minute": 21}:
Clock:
{"hour": 10, "minute": 18}
